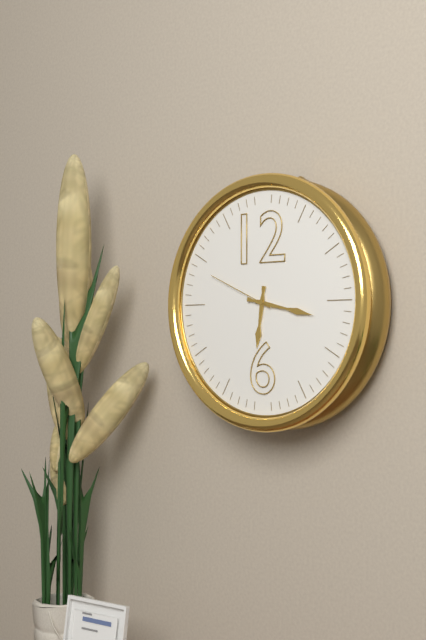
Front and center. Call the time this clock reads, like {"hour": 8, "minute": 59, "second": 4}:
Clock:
{"hour": 6, "minute": 17, "second": 49}
